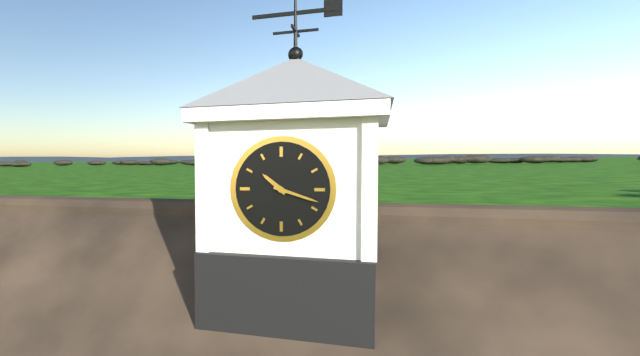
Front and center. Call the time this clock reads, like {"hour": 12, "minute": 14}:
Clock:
{"hour": 10, "minute": 18}
